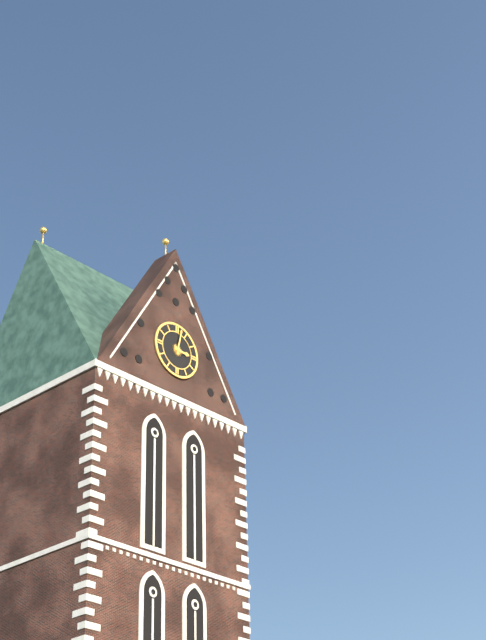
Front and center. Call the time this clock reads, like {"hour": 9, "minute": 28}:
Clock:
{"hour": 3, "minute": 2}
